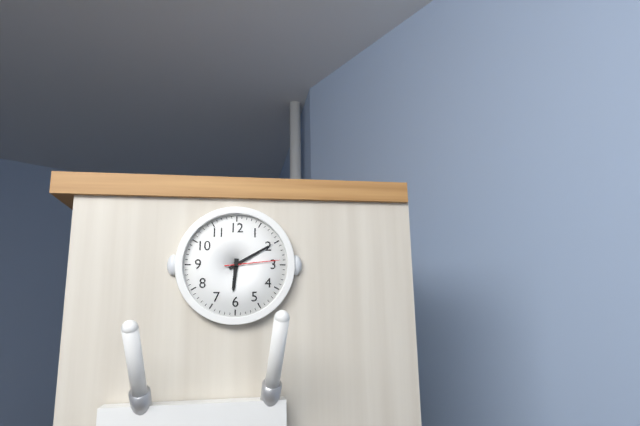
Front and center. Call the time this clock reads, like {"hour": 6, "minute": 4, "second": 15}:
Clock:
{"hour": 6, "minute": 10, "second": 14}
